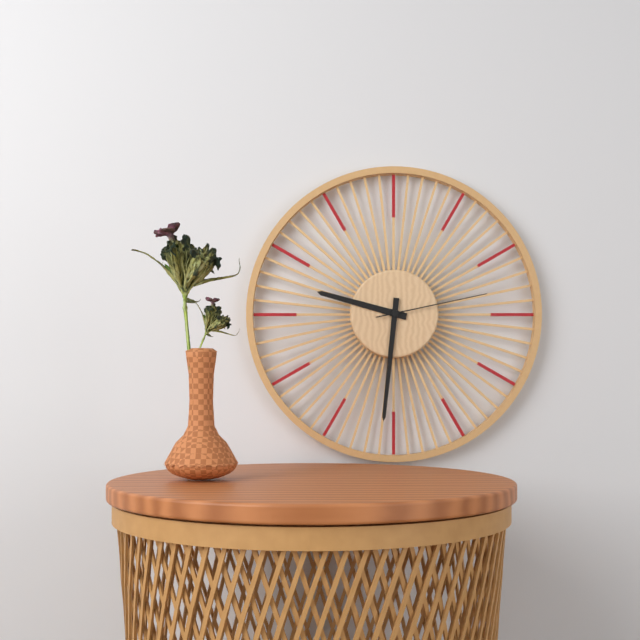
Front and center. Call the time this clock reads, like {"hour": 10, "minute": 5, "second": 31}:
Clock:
{"hour": 9, "minute": 31, "second": 13}
